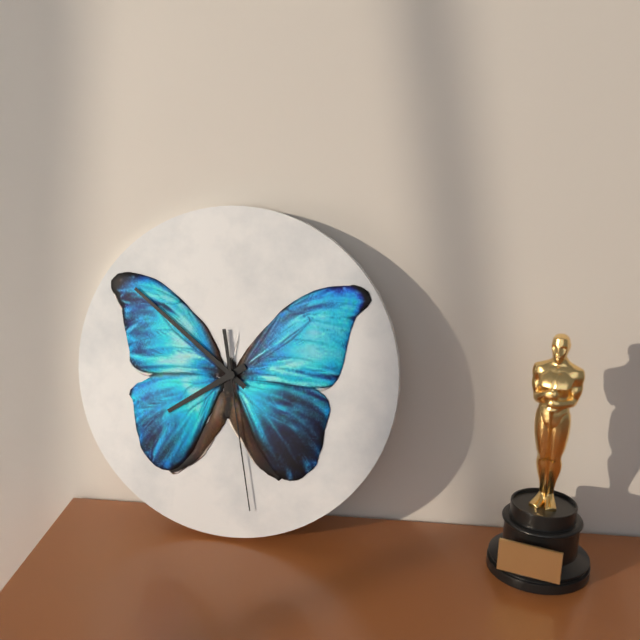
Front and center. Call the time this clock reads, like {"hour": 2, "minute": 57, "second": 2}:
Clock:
{"hour": 7, "minute": 51, "second": 28}
